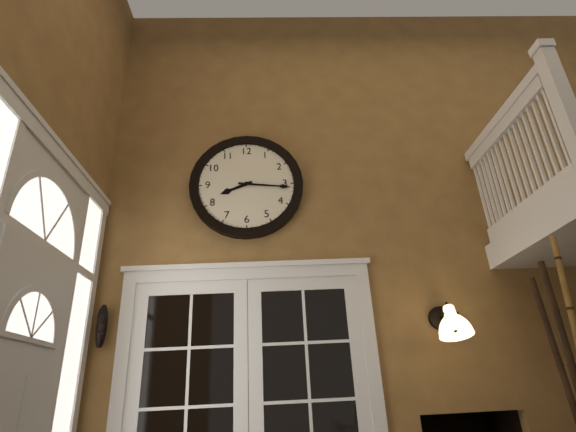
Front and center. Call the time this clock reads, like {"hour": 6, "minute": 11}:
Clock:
{"hour": 8, "minute": 16}
